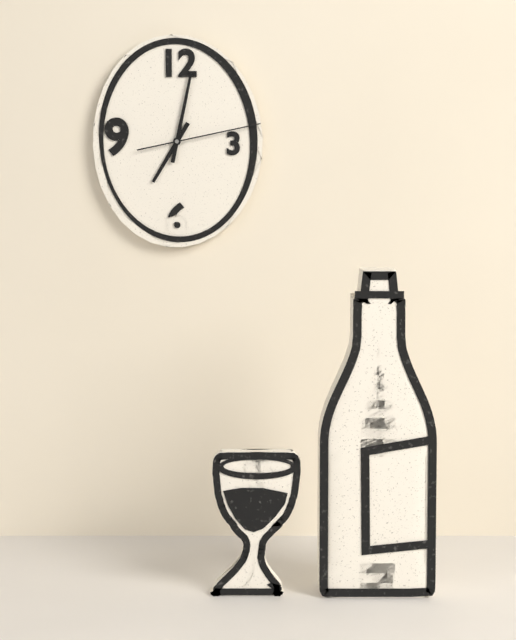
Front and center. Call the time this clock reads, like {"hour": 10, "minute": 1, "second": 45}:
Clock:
{"hour": 7, "minute": 2, "second": 13}
